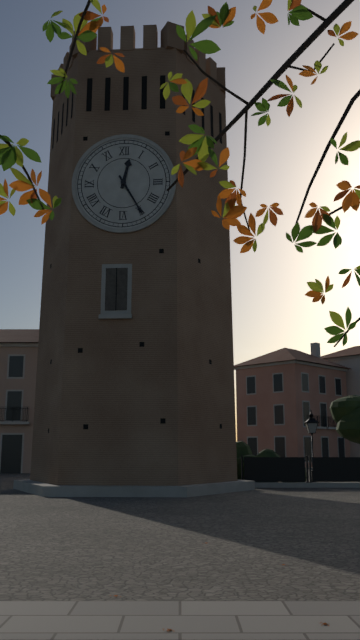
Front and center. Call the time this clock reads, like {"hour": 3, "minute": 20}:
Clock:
{"hour": 12, "minute": 25}
